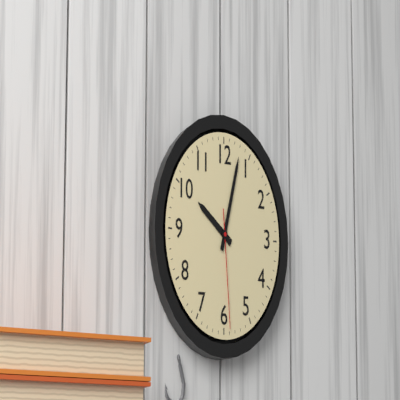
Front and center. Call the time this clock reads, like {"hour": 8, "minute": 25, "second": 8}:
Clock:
{"hour": 10, "minute": 3, "second": 29}
